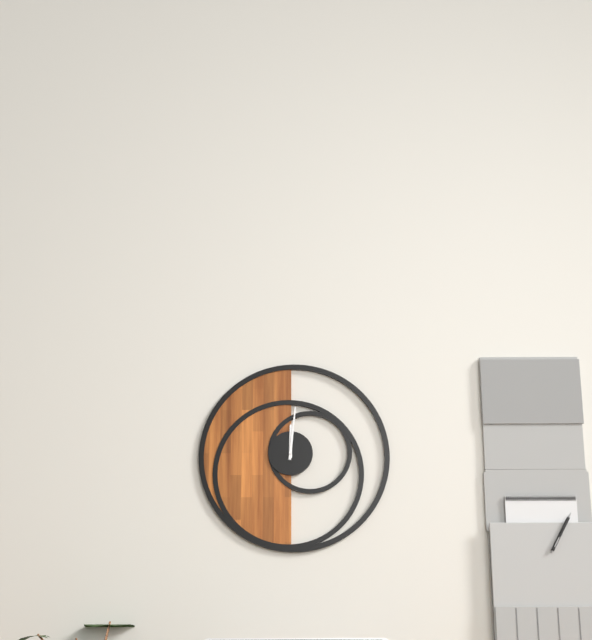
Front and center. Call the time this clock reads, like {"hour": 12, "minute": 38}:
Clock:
{"hour": 12, "minute": 1}
